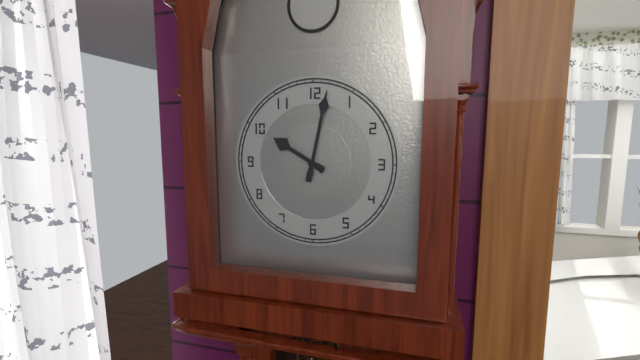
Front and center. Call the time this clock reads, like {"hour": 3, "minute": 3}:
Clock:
{"hour": 10, "minute": 2}
